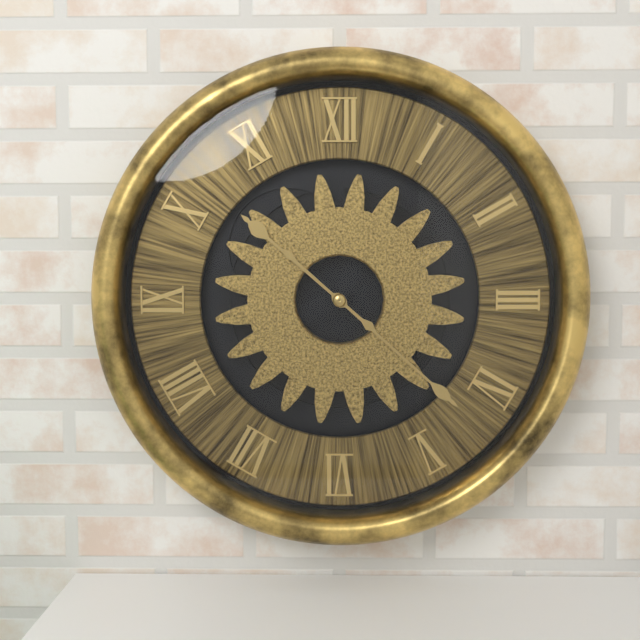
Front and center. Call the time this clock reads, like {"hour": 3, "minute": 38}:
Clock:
{"hour": 10, "minute": 22}
